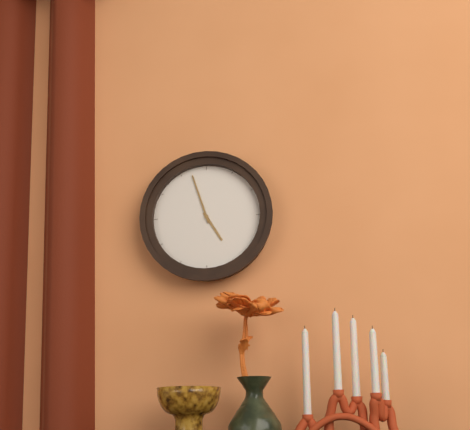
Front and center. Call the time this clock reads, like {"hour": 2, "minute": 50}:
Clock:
{"hour": 4, "minute": 57}
